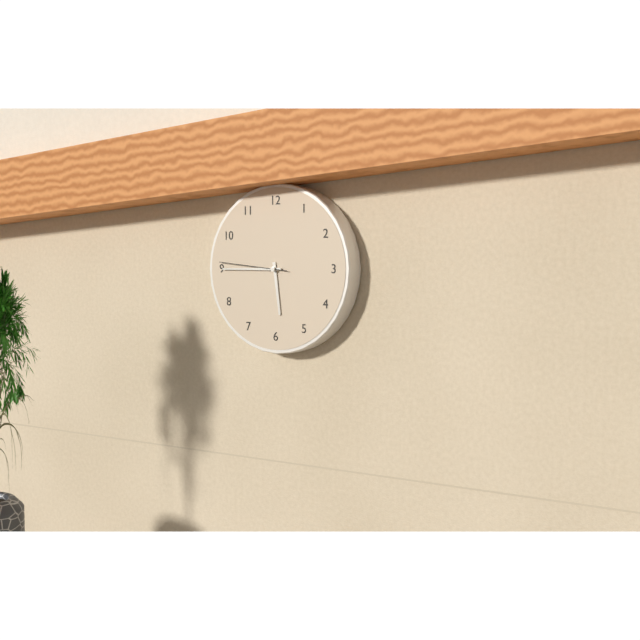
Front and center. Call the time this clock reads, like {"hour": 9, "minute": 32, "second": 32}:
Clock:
{"hour": 5, "minute": 45, "second": 46}
